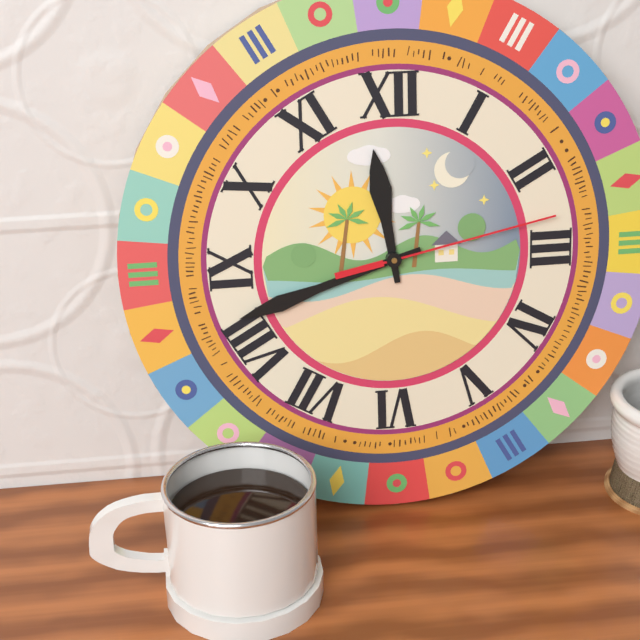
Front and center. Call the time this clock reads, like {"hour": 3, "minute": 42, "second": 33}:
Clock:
{"hour": 11, "minute": 42, "second": 13}
